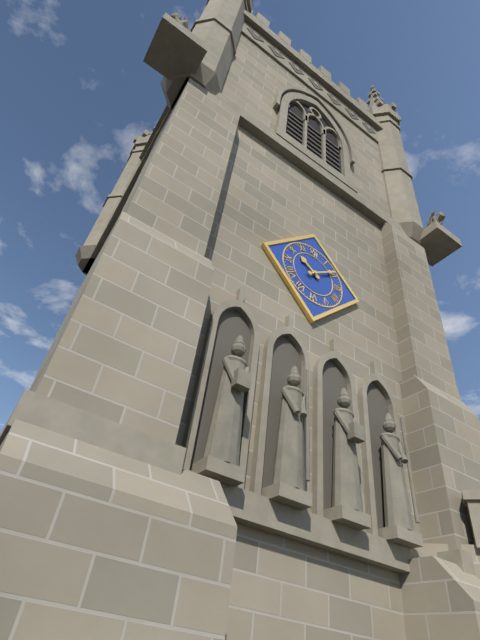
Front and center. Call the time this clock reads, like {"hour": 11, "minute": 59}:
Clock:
{"hour": 10, "minute": 9}
